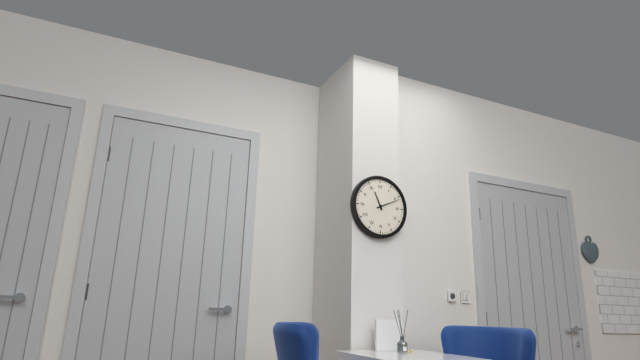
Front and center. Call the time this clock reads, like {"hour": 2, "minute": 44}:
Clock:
{"hour": 11, "minute": 11}
